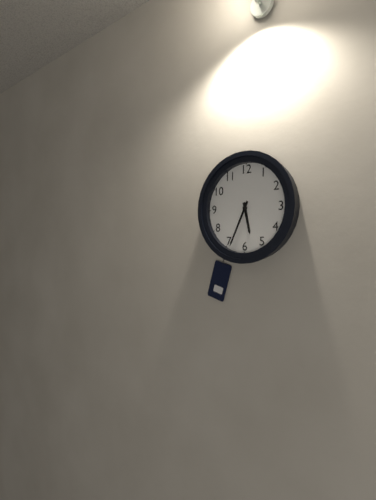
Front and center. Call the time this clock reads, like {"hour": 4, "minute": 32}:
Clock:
{"hour": 5, "minute": 34}
